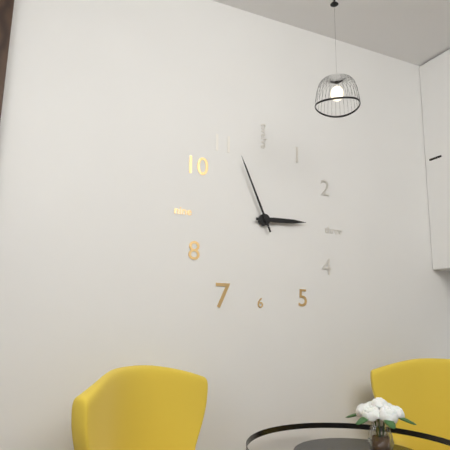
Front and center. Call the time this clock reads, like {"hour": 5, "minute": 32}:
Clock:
{"hour": 2, "minute": 56}
